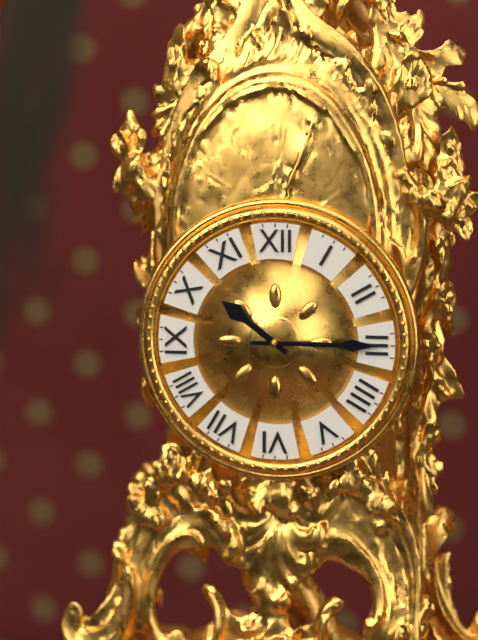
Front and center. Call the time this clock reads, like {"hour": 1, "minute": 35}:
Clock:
{"hour": 10, "minute": 15}
